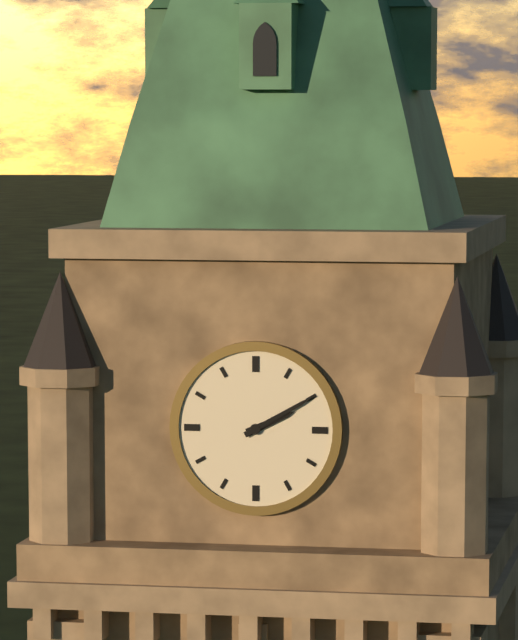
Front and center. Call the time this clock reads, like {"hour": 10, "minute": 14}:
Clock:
{"hour": 2, "minute": 10}
